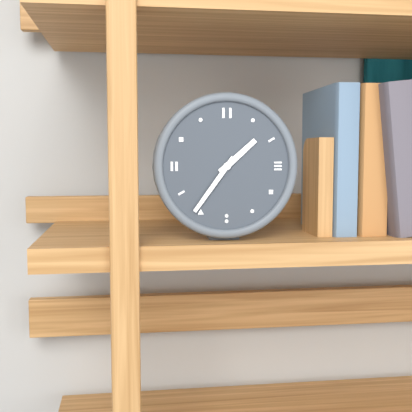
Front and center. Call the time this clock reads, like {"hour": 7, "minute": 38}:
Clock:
{"hour": 1, "minute": 36}
